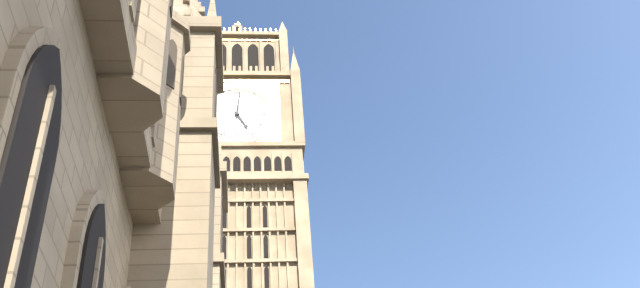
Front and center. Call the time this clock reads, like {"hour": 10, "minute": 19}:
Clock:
{"hour": 5, "minute": 1}
